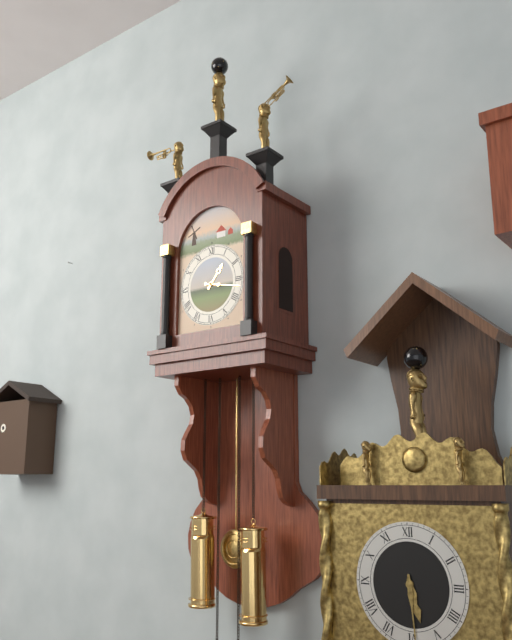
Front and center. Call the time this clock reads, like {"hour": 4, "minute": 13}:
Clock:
{"hour": 1, "minute": 17}
